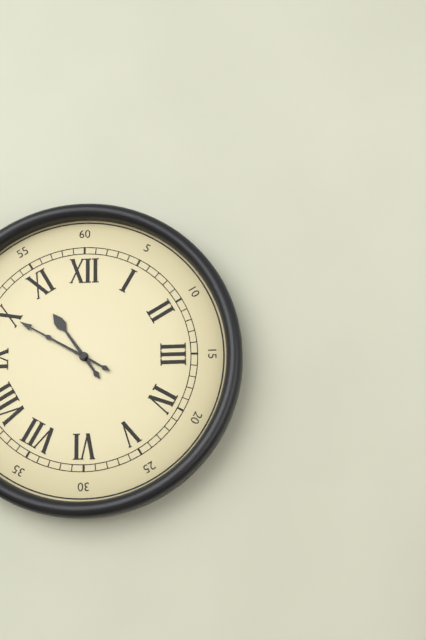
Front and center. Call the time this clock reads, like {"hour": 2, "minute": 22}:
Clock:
{"hour": 10, "minute": 50}
